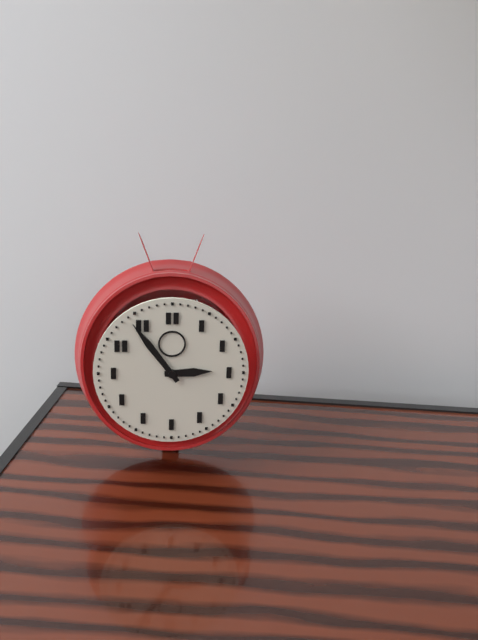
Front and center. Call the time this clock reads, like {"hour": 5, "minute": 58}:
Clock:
{"hour": 2, "minute": 54}
